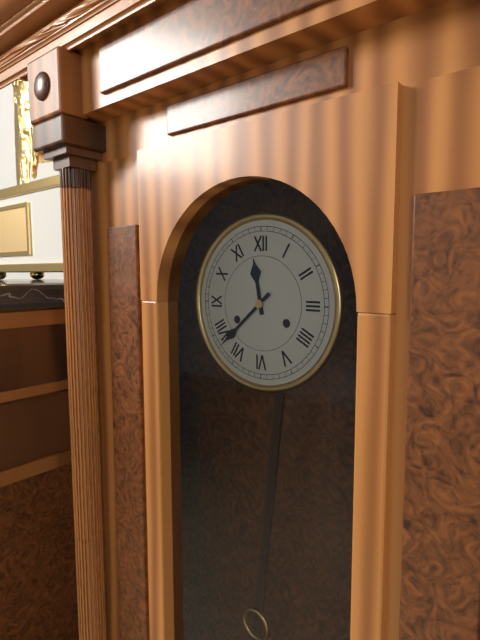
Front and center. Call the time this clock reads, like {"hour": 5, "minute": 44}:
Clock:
{"hour": 11, "minute": 38}
